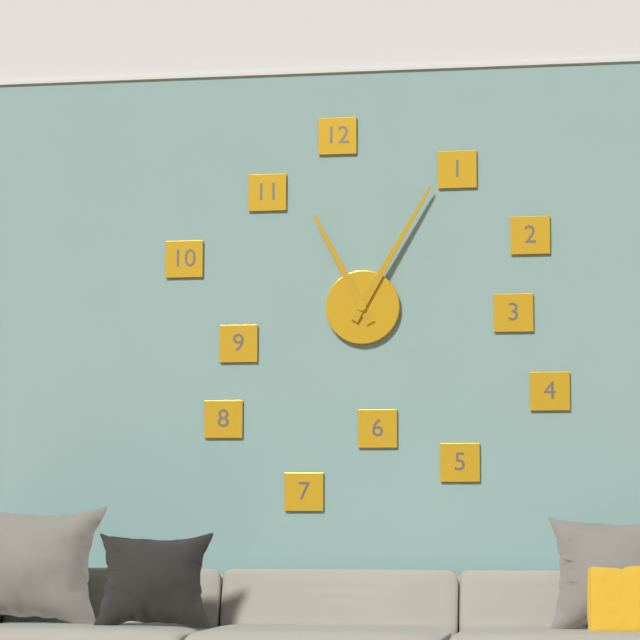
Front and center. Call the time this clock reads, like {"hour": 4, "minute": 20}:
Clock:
{"hour": 11, "minute": 5}
